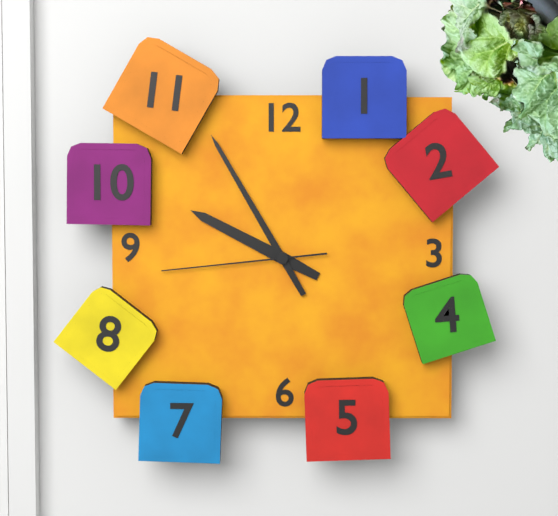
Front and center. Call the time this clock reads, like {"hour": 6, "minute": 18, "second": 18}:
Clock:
{"hour": 9, "minute": 55, "second": 44}
